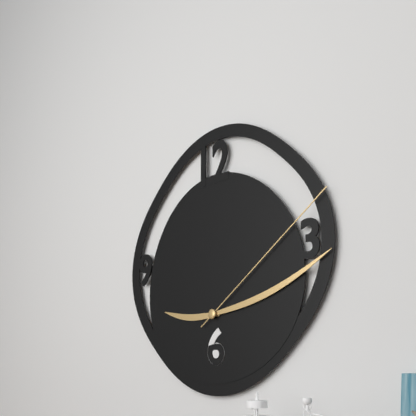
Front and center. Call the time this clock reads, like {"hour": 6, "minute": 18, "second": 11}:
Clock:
{"hour": 9, "minute": 12, "second": 9}
